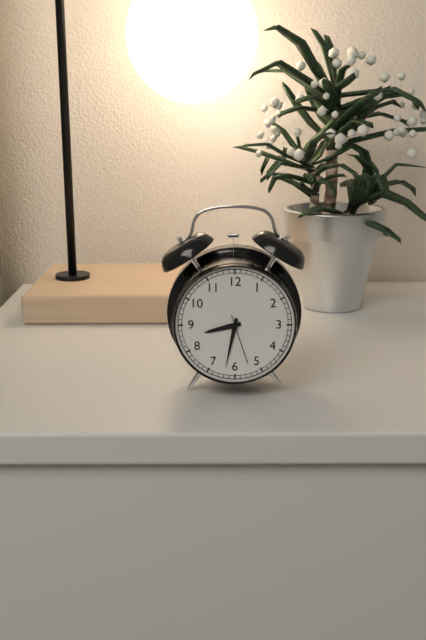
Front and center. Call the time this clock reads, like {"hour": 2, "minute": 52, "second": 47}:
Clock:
{"hour": 8, "minute": 32, "second": 27}
